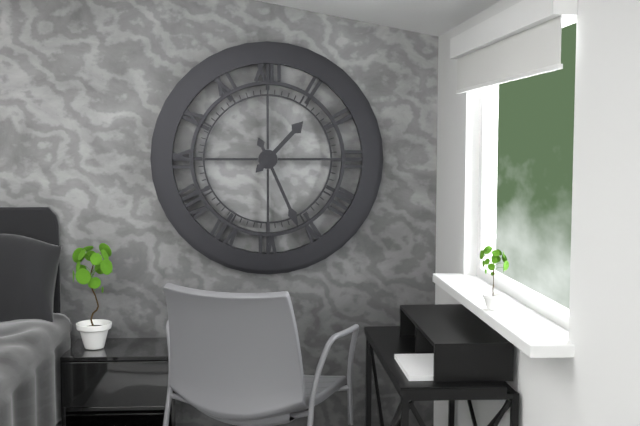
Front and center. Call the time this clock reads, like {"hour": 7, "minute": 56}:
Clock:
{"hour": 1, "minute": 26}
